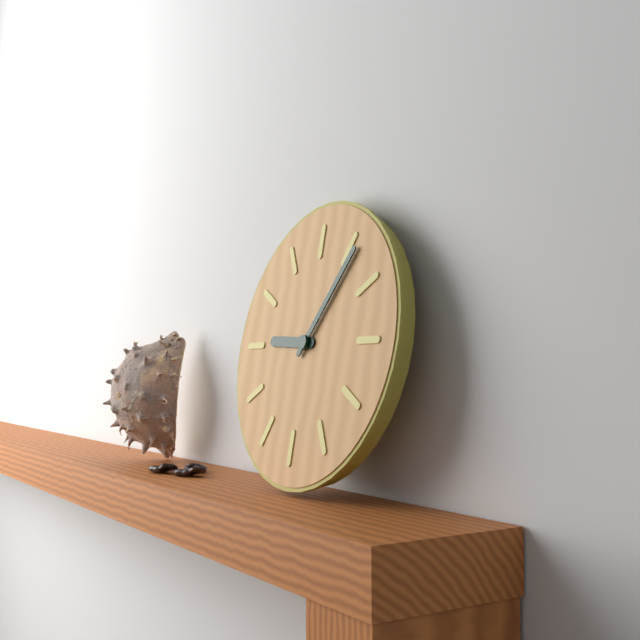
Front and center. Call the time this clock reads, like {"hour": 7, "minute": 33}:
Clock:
{"hour": 9, "minute": 6}
